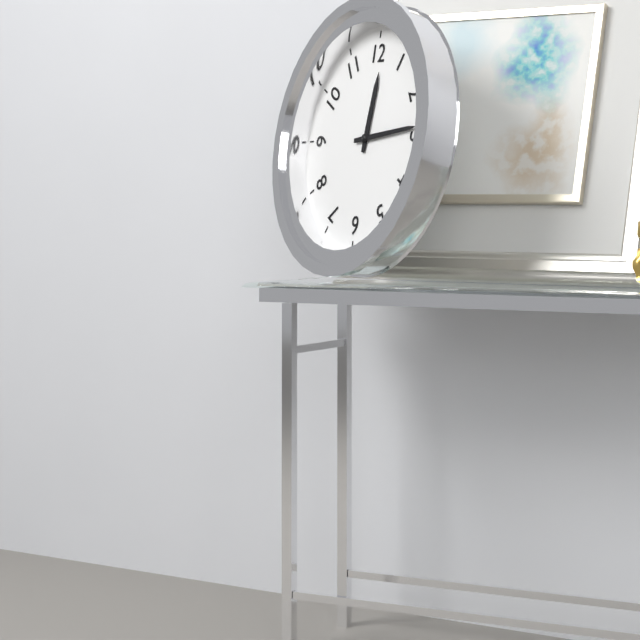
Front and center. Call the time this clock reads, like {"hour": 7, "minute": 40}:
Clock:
{"hour": 12, "minute": 14}
